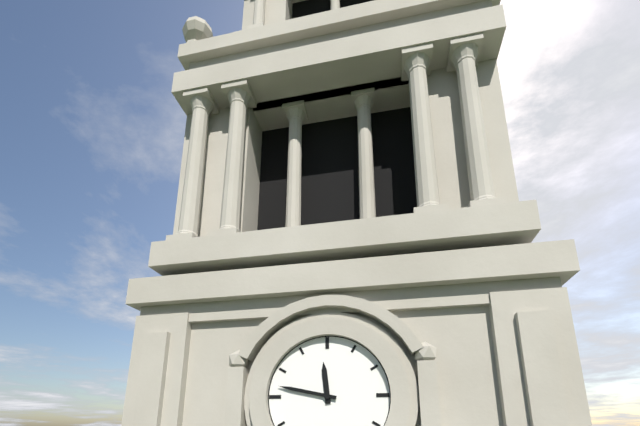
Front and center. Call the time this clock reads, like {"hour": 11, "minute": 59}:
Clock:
{"hour": 11, "minute": 47}
